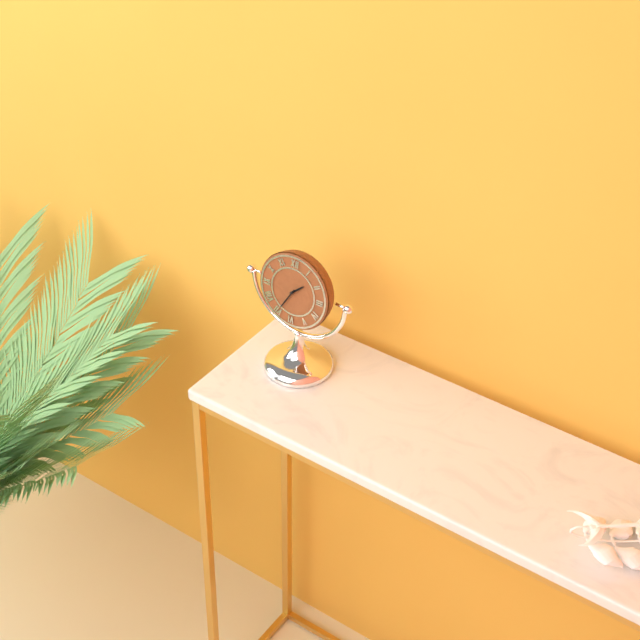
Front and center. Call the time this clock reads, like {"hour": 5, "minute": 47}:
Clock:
{"hour": 1, "minute": 35}
